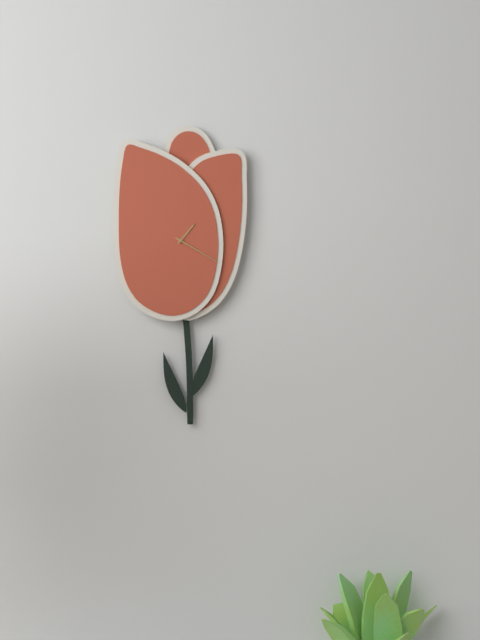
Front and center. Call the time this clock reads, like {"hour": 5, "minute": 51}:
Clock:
{"hour": 1, "minute": 20}
